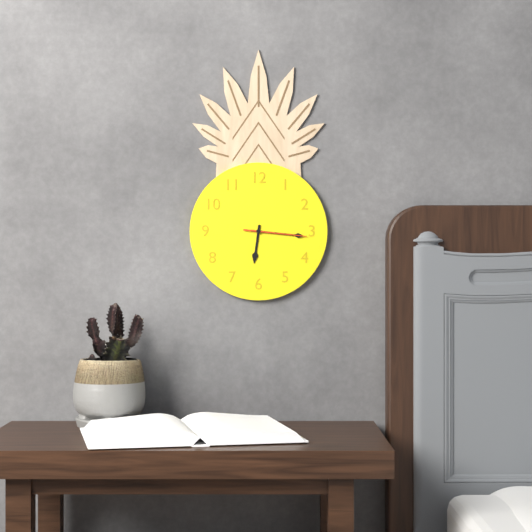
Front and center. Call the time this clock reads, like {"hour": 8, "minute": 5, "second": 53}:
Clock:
{"hour": 6, "minute": 16, "second": 16}
